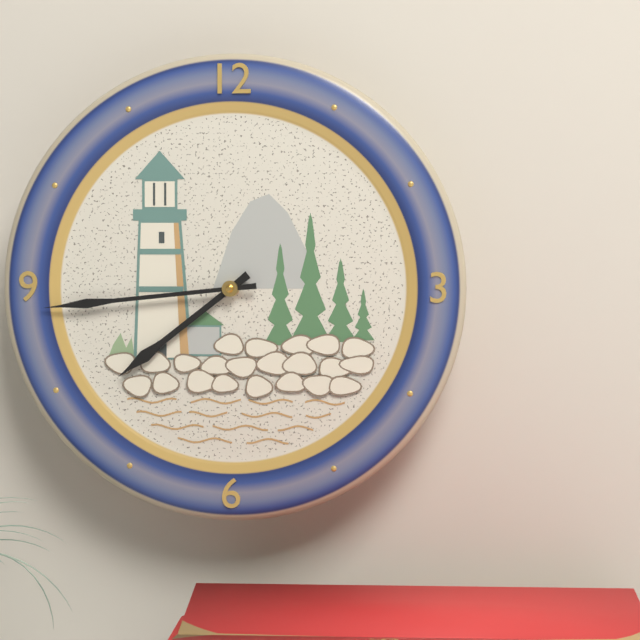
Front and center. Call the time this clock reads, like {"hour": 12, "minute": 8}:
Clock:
{"hour": 7, "minute": 44}
